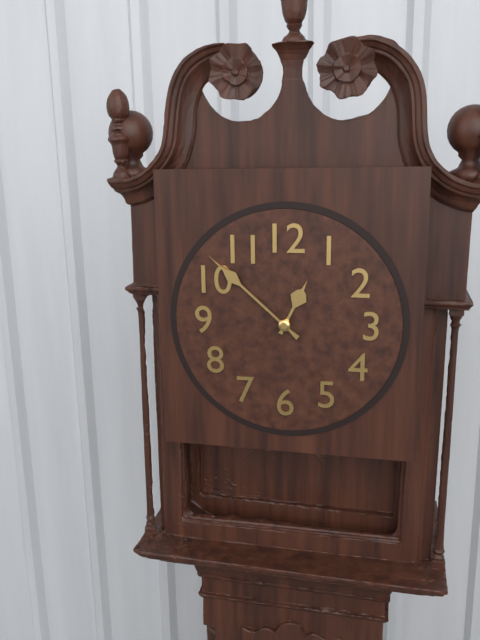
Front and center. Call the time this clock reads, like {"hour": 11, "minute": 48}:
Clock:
{"hour": 12, "minute": 52}
